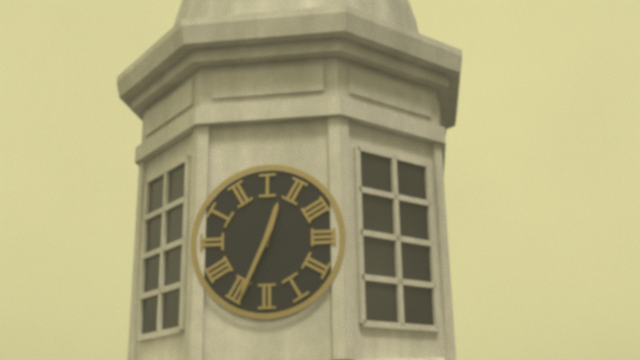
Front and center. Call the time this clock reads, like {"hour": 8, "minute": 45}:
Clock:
{"hour": 12, "minute": 34}
